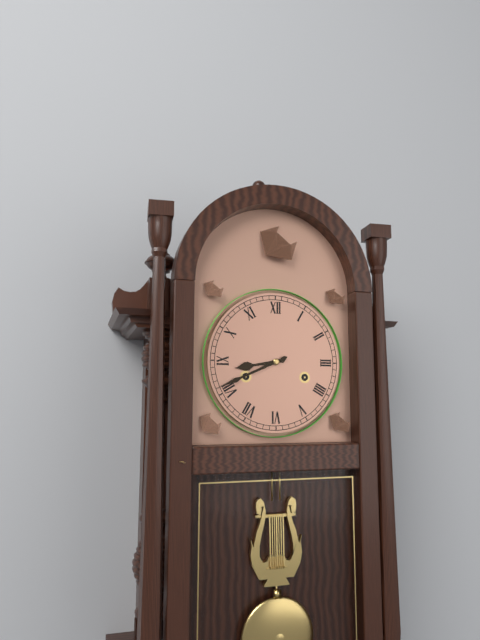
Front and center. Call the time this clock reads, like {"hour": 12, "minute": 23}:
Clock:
{"hour": 8, "minute": 41}
